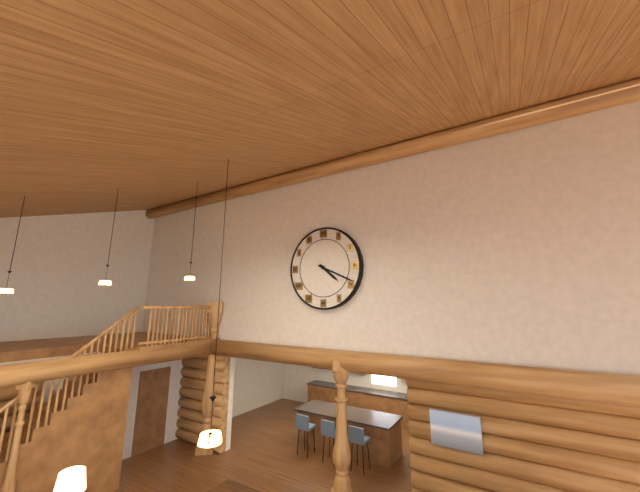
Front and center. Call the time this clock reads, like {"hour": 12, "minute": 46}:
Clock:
{"hour": 4, "minute": 19}
